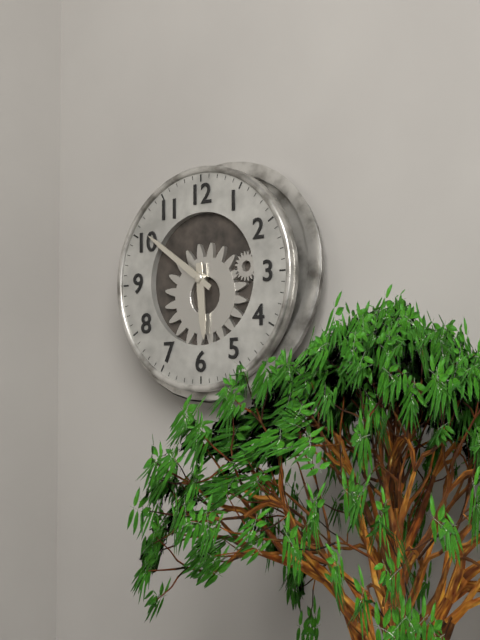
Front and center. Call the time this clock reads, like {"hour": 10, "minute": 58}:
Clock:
{"hour": 5, "minute": 51}
